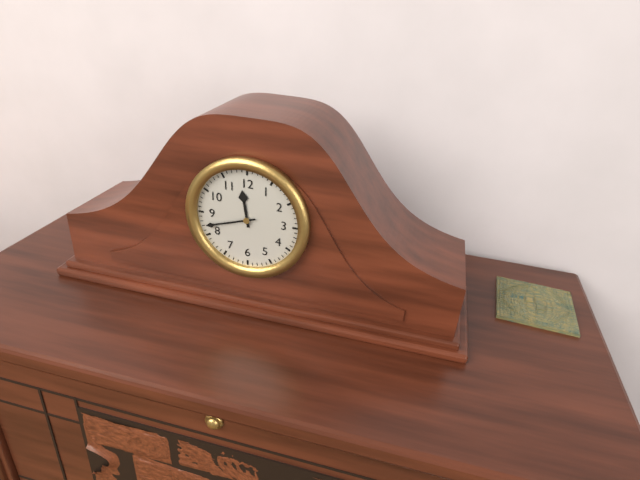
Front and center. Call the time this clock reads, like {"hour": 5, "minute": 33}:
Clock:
{"hour": 11, "minute": 42}
